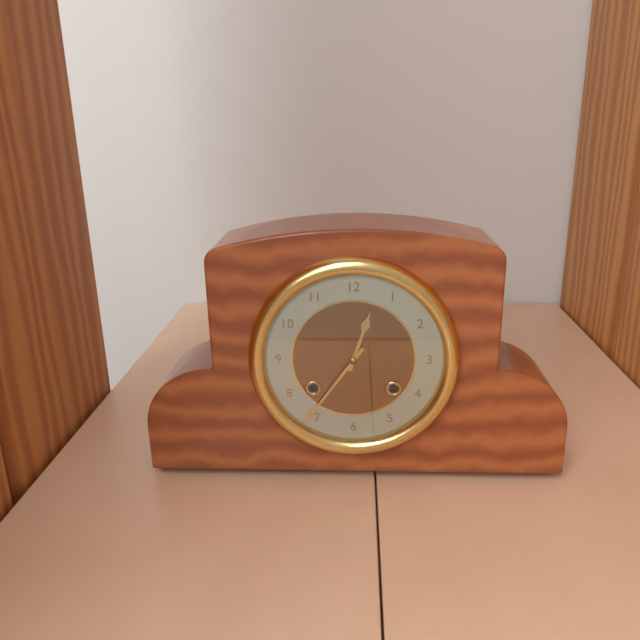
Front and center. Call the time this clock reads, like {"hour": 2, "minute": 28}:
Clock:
{"hour": 12, "minute": 36}
